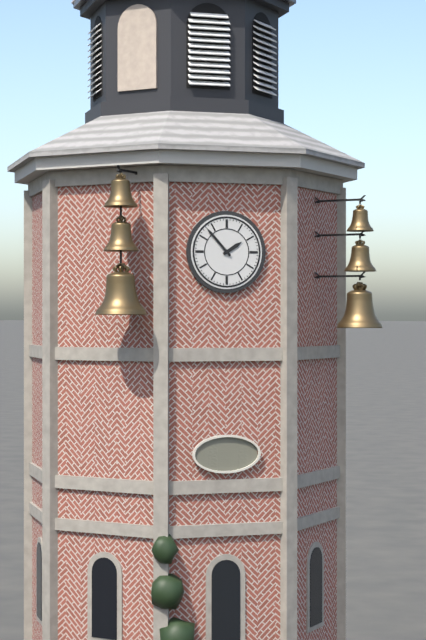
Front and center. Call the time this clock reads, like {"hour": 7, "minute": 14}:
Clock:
{"hour": 1, "minute": 53}
